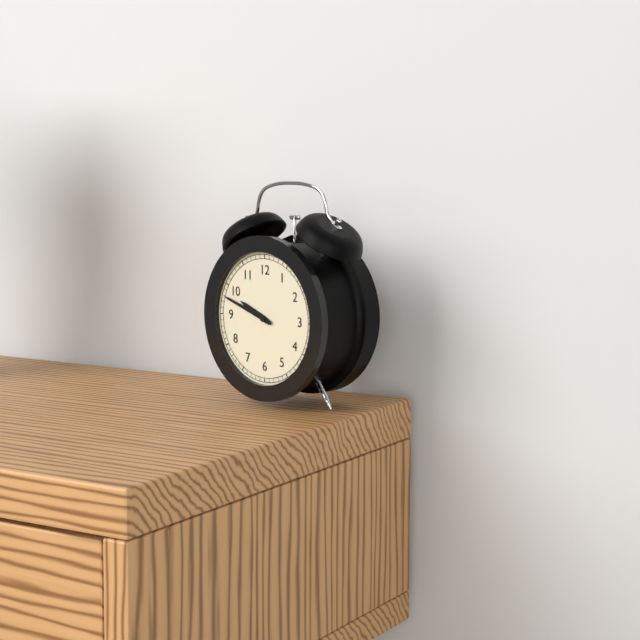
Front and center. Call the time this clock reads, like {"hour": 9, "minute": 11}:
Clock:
{"hour": 9, "minute": 48}
